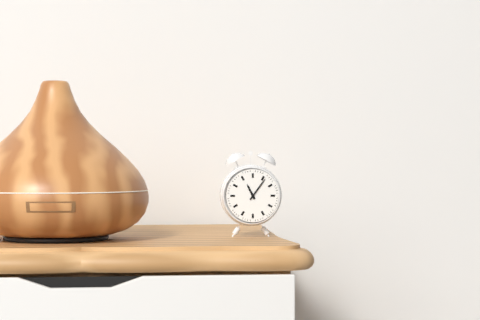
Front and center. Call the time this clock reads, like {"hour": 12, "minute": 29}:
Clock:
{"hour": 11, "minute": 6}
